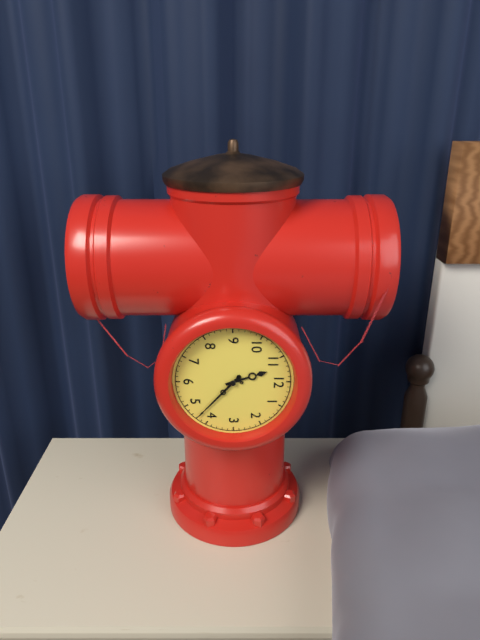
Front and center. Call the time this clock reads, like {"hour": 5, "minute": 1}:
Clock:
{"hour": 11, "minute": 22}
